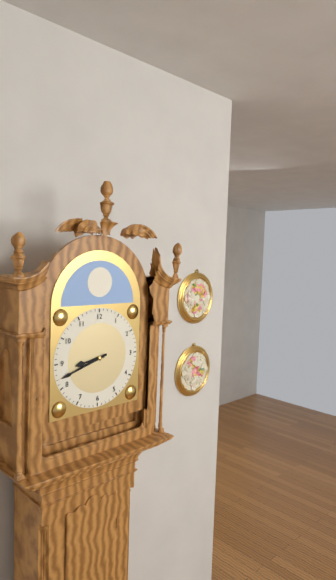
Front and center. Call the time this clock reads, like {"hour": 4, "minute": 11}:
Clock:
{"hour": 8, "minute": 42}
